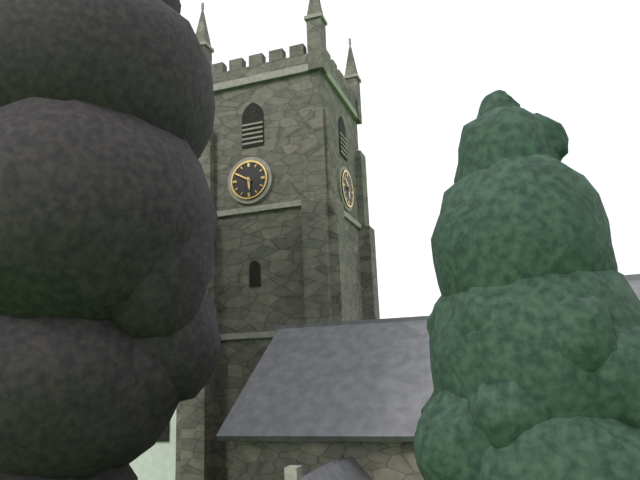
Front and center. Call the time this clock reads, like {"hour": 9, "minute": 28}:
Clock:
{"hour": 5, "minute": 50}
